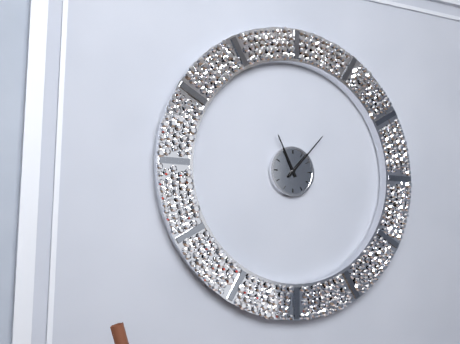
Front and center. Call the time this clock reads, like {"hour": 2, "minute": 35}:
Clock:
{"hour": 11, "minute": 7}
